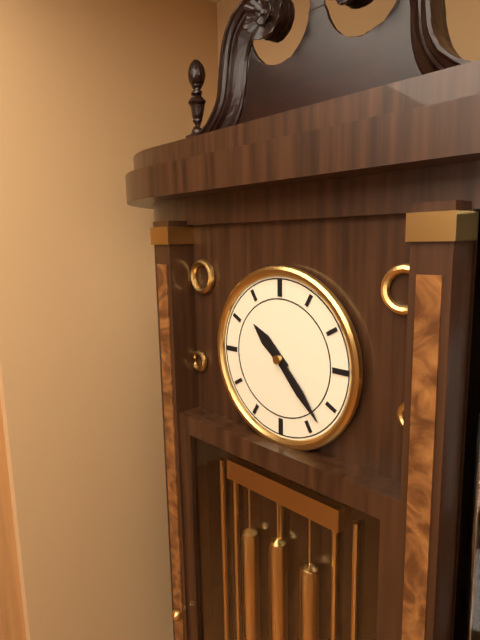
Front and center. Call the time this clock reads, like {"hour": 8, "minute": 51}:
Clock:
{"hour": 10, "minute": 23}
